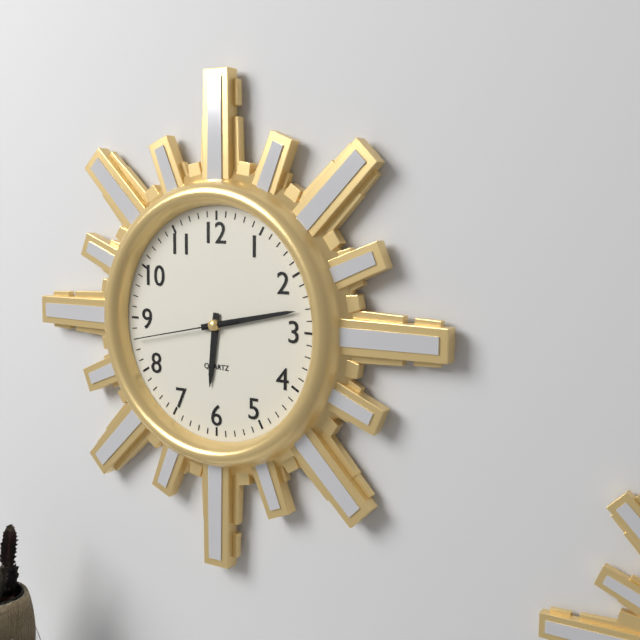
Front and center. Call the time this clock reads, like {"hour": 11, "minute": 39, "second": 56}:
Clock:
{"hour": 6, "minute": 13, "second": 43}
